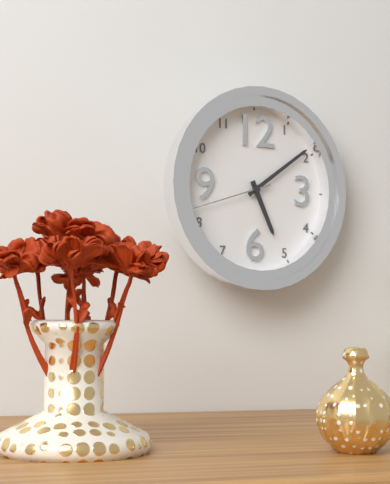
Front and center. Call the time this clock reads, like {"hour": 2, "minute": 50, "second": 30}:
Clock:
{"hour": 5, "minute": 9, "second": 42}
